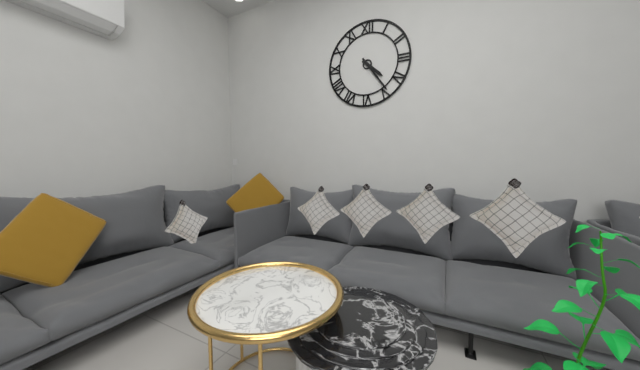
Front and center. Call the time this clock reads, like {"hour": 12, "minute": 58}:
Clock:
{"hour": 4, "minute": 24}
